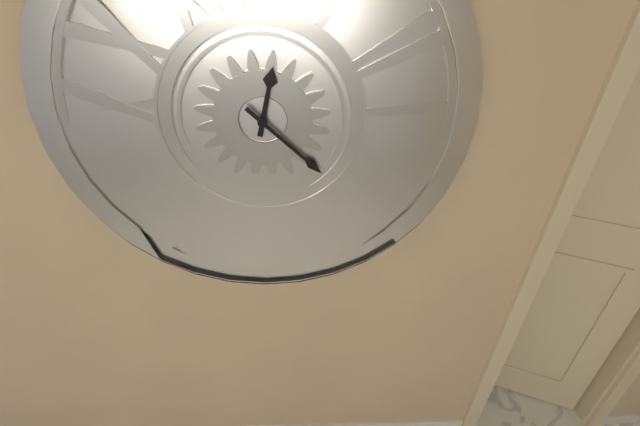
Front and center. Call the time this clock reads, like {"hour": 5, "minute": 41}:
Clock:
{"hour": 12, "minute": 22}
